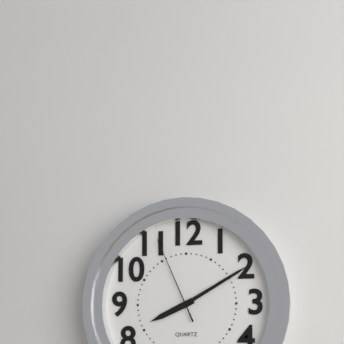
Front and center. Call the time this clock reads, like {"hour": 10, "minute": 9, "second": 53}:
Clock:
{"hour": 8, "minute": 10, "second": 56}
